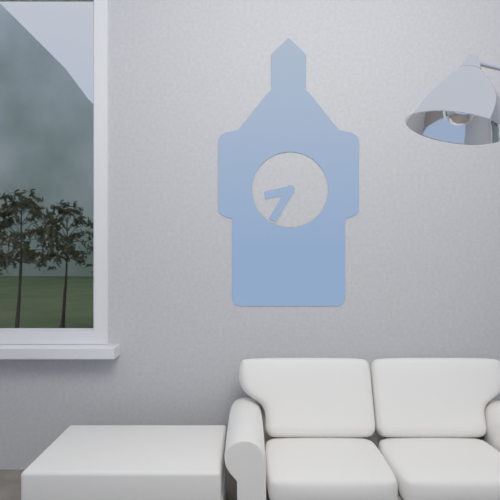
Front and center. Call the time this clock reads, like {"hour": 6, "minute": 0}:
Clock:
{"hour": 8, "minute": 35}
